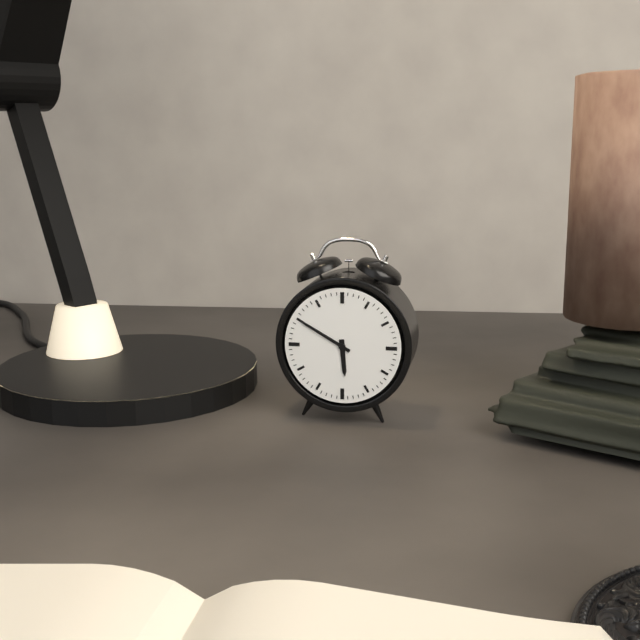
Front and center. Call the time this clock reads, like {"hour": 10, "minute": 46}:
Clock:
{"hour": 5, "minute": 50}
